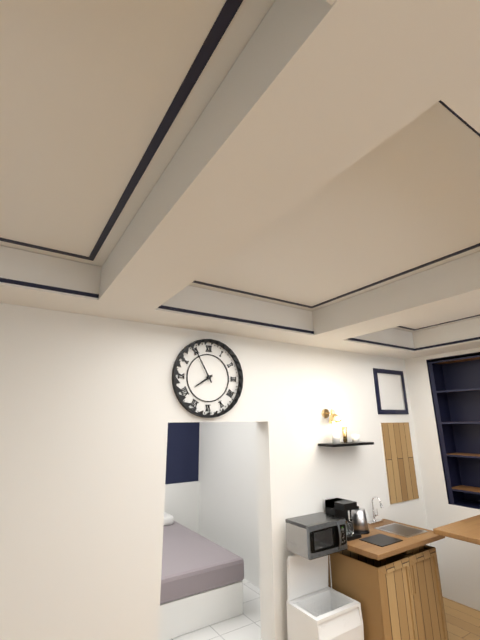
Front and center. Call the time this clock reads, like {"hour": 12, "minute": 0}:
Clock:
{"hour": 7, "minute": 55}
